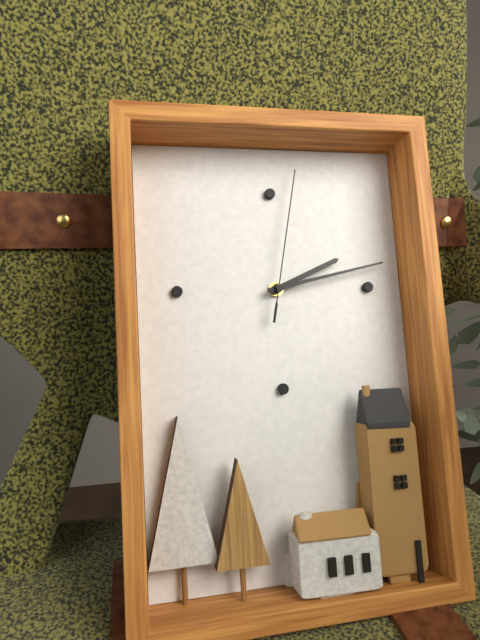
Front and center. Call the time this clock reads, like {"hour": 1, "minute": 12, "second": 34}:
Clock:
{"hour": 2, "minute": 13, "second": 2}
